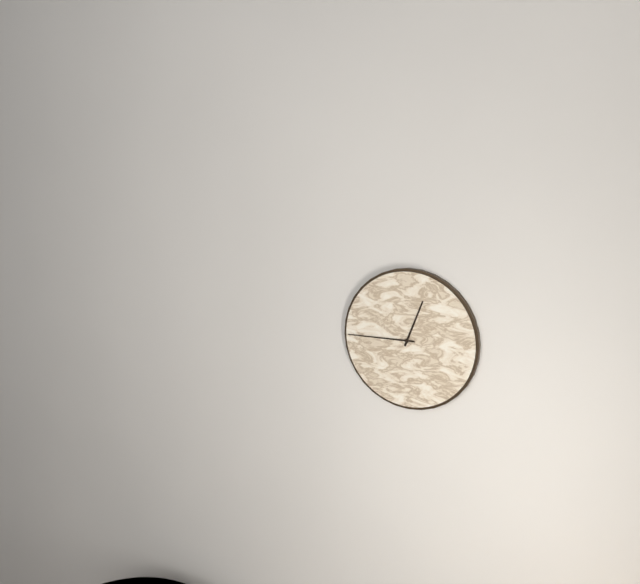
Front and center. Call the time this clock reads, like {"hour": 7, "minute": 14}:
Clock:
{"hour": 12, "minute": 45}
